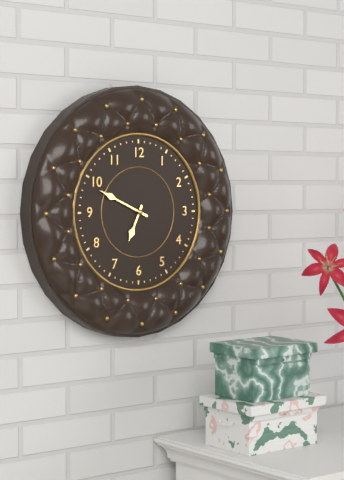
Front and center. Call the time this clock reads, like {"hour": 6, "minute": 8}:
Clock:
{"hour": 6, "minute": 49}
